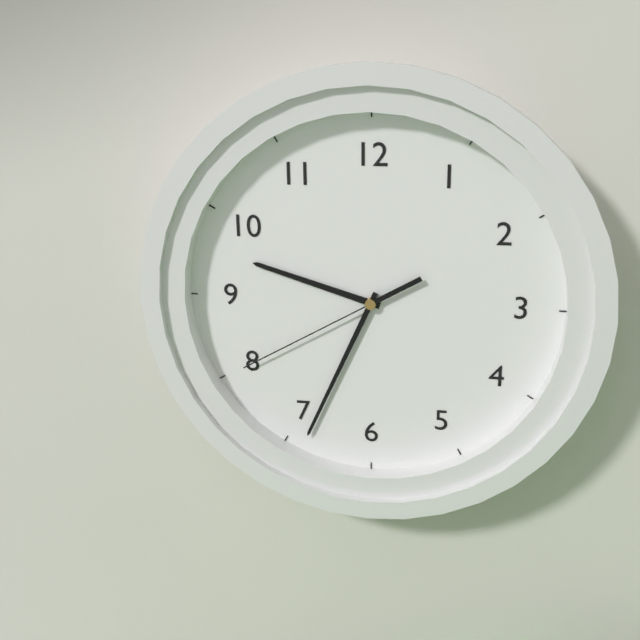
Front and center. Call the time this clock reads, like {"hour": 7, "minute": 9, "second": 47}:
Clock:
{"hour": 9, "minute": 34, "second": 40}
